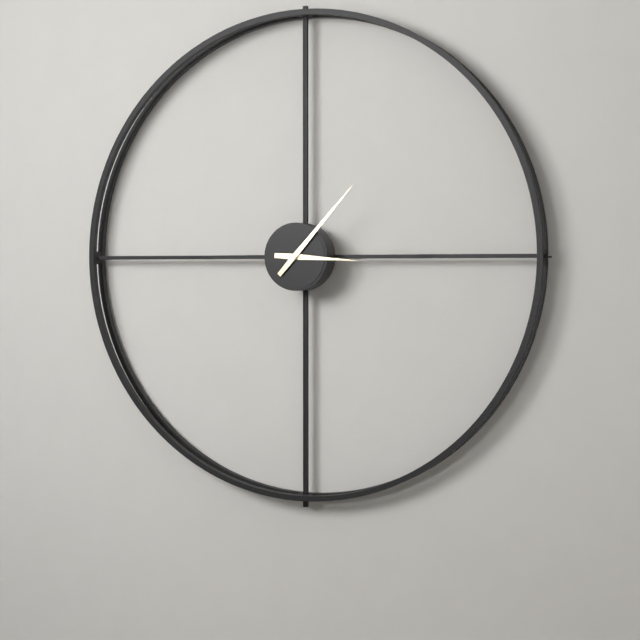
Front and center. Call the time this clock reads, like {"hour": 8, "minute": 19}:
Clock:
{"hour": 3, "minute": 7}
